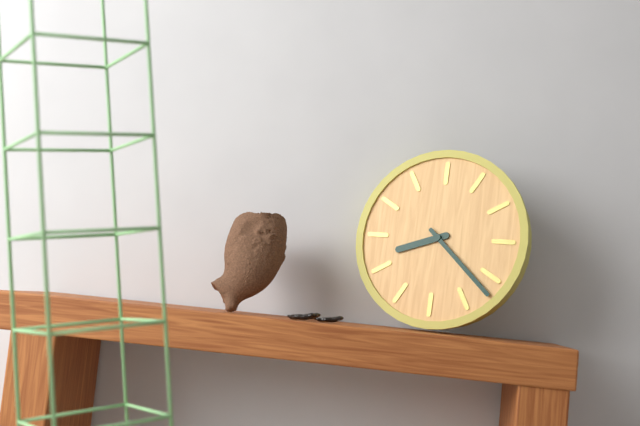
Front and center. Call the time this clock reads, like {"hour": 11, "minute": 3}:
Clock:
{"hour": 8, "minute": 22}
